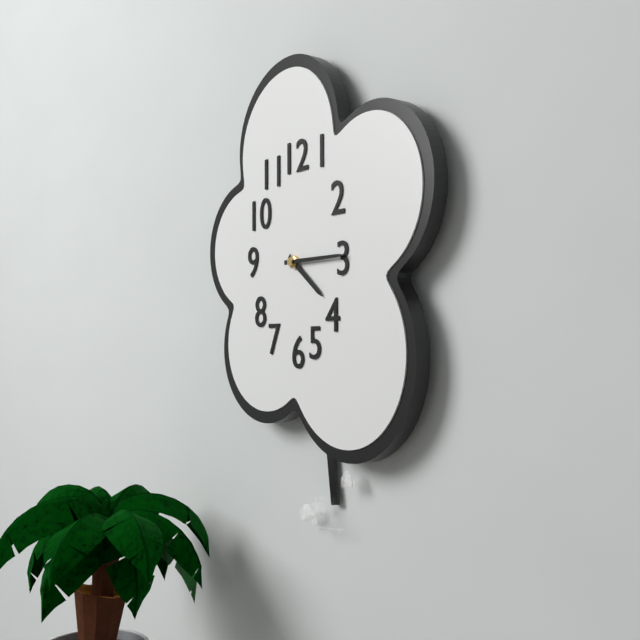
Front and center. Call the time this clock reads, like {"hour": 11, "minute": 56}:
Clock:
{"hour": 4, "minute": 15}
